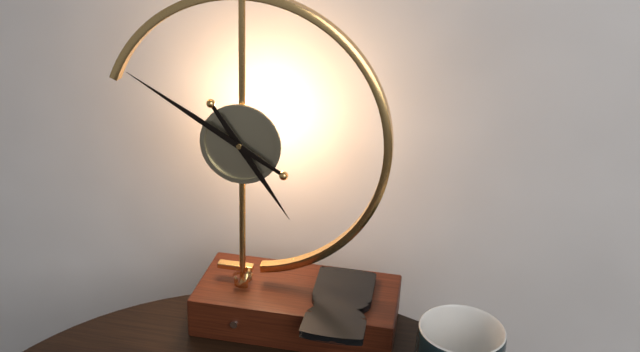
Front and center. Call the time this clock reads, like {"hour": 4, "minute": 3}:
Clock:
{"hour": 4, "minute": 50}
